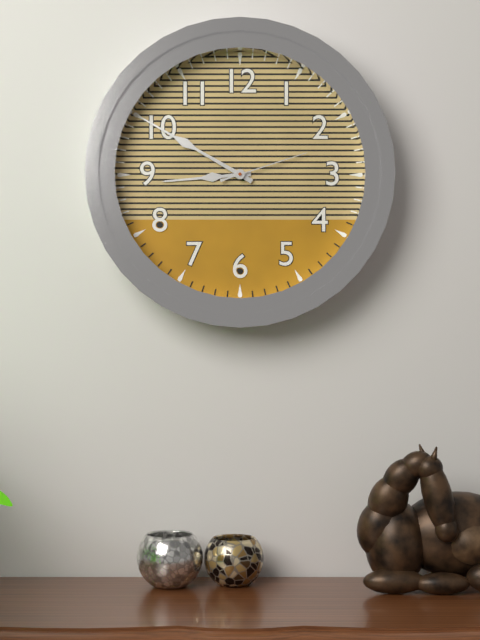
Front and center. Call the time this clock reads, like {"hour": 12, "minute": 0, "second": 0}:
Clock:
{"hour": 8, "minute": 50, "second": 12}
